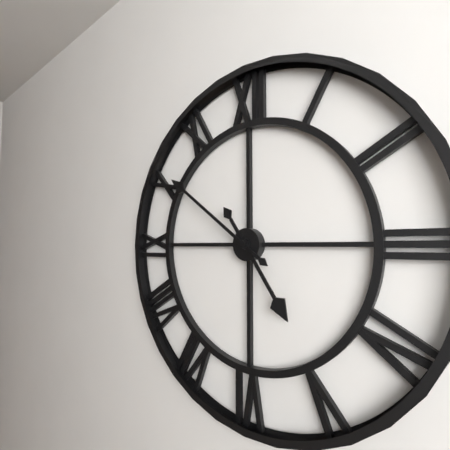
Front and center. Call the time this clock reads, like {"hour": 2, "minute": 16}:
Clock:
{"hour": 4, "minute": 51}
